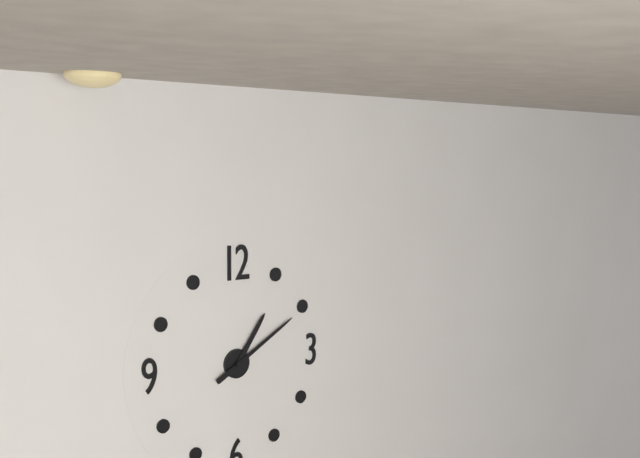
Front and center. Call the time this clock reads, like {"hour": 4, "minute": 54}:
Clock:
{"hour": 1, "minute": 10}
